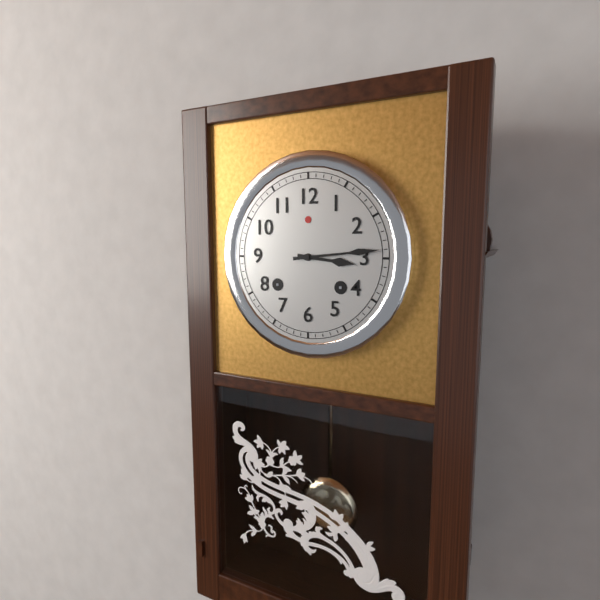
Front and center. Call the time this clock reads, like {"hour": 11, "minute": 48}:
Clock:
{"hour": 3, "minute": 14}
